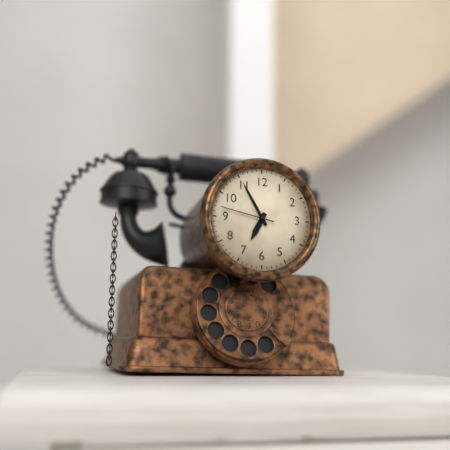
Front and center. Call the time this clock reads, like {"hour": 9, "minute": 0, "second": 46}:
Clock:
{"hour": 6, "minute": 55, "second": 47}
